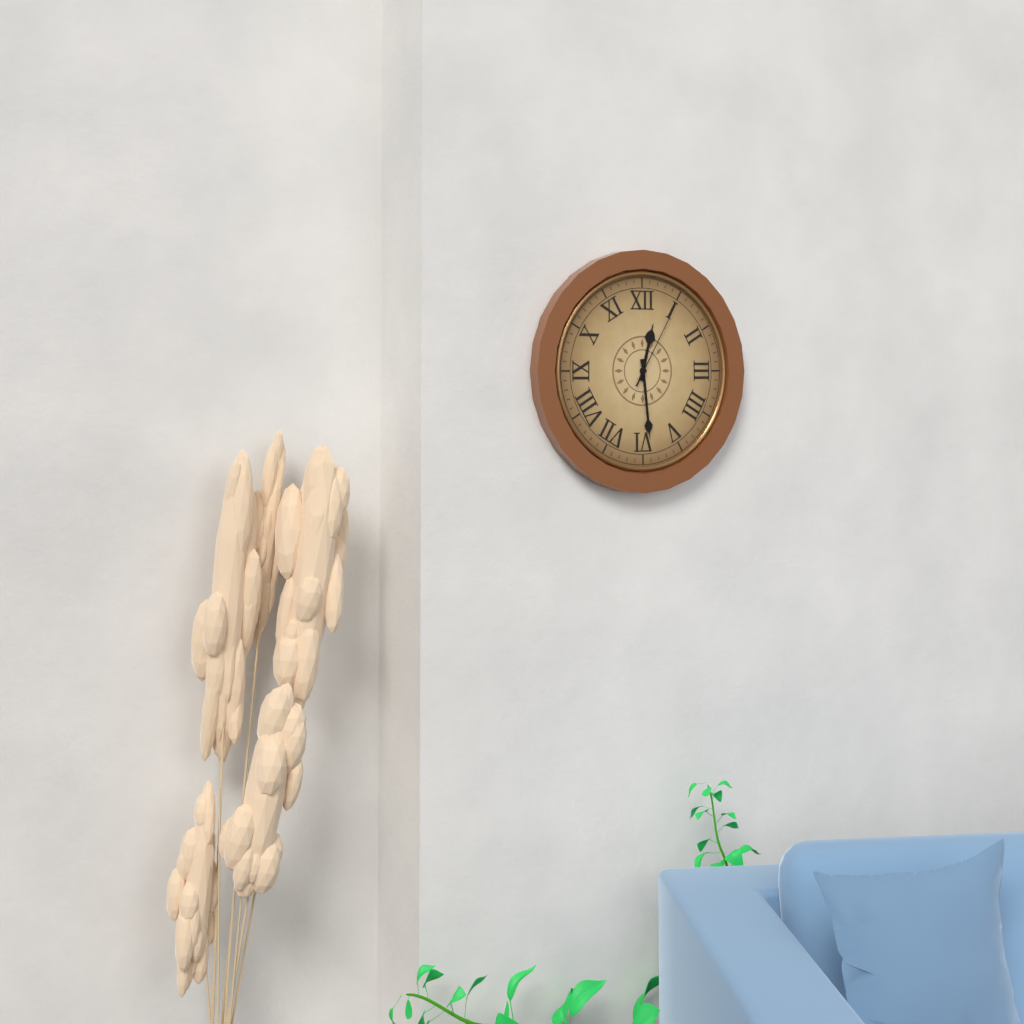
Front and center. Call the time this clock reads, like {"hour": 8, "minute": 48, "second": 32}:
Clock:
{"hour": 12, "minute": 29, "second": 5}
